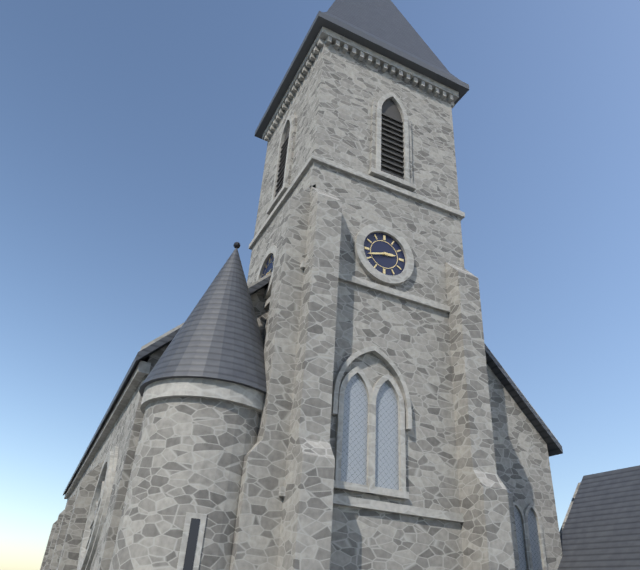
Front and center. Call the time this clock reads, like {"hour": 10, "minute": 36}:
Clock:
{"hour": 2, "minute": 42}
